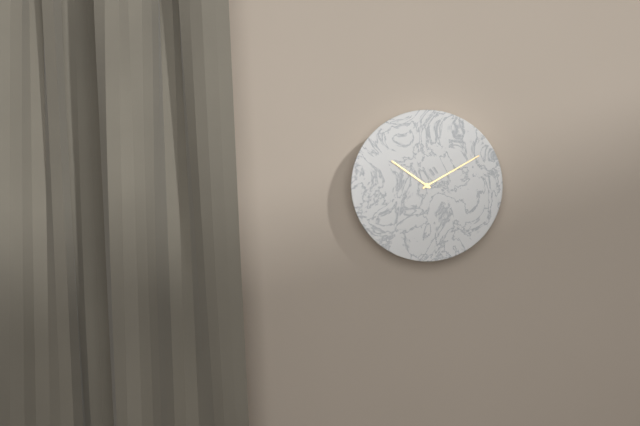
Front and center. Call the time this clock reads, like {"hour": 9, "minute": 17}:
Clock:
{"hour": 10, "minute": 10}
